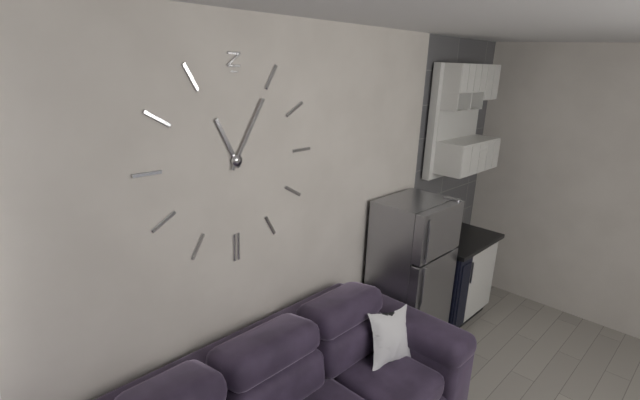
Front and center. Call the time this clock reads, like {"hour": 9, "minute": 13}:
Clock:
{"hour": 11, "minute": 5}
